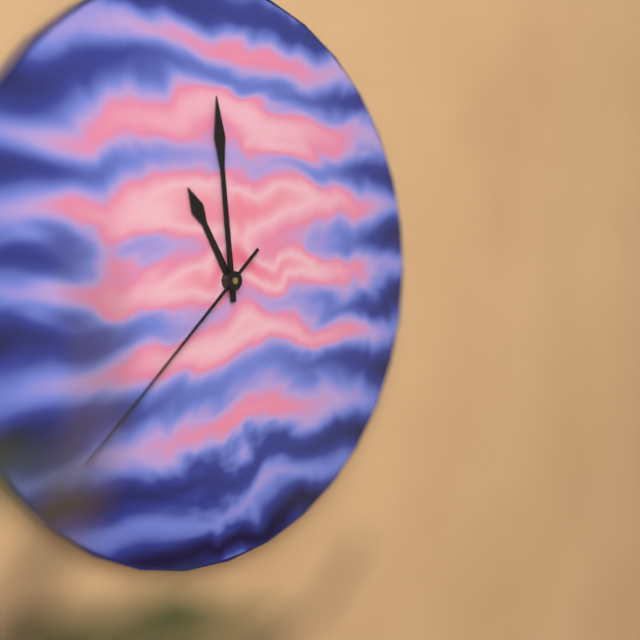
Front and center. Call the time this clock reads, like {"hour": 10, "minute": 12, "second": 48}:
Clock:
{"hour": 10, "minute": 59, "second": 38}
